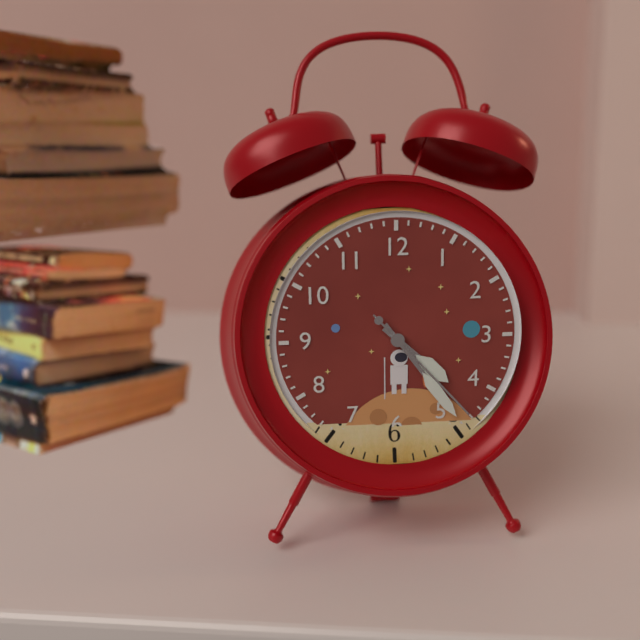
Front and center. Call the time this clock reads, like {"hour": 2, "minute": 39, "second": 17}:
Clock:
{"hour": 4, "minute": 24, "second": 23}
